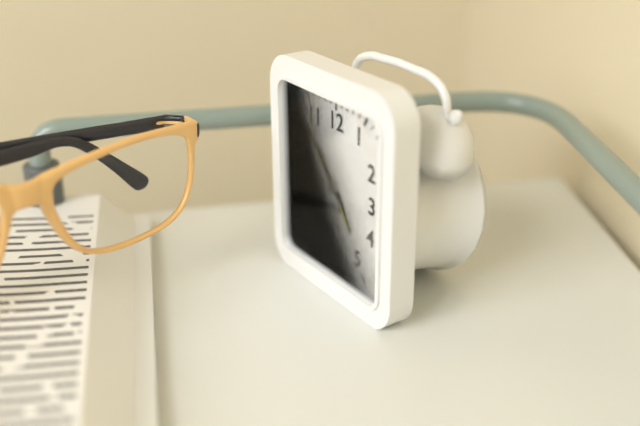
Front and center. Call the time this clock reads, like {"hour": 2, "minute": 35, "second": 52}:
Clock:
{"hour": 4, "minute": 53, "second": 31}
